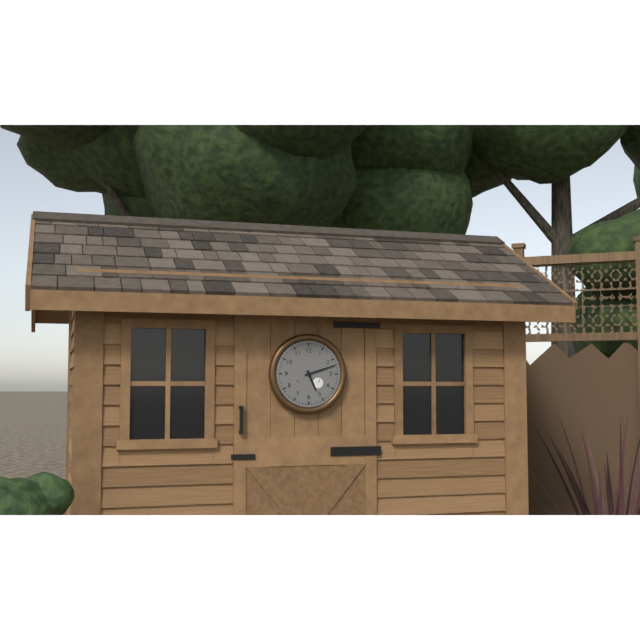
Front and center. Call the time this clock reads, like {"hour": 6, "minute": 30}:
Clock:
{"hour": 5, "minute": 12}
